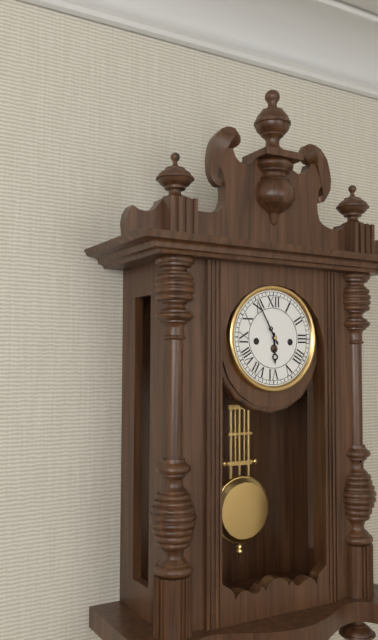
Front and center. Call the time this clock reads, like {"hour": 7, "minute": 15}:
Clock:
{"hour": 5, "minute": 55}
